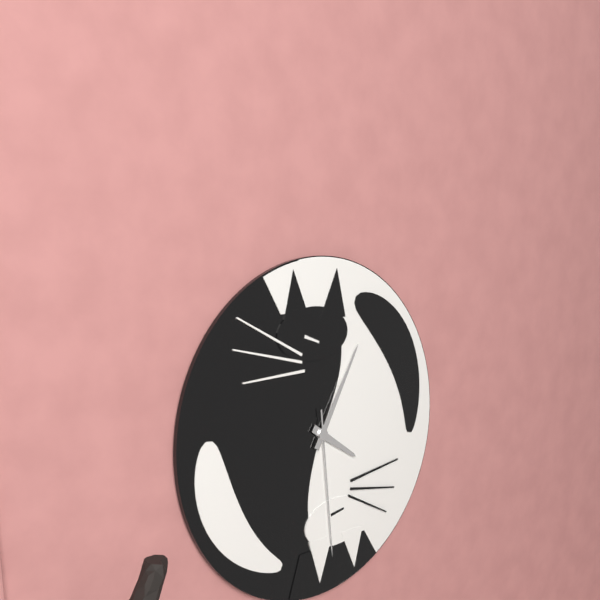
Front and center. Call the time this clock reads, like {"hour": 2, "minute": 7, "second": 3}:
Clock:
{"hour": 4, "minute": 5, "second": 29}
